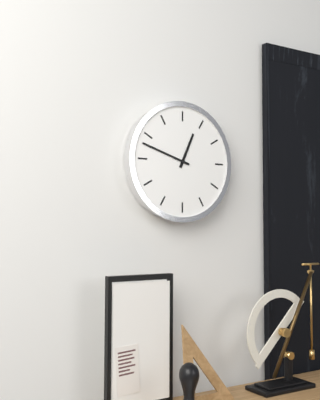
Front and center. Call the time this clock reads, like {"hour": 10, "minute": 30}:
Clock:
{"hour": 12, "minute": 48}
